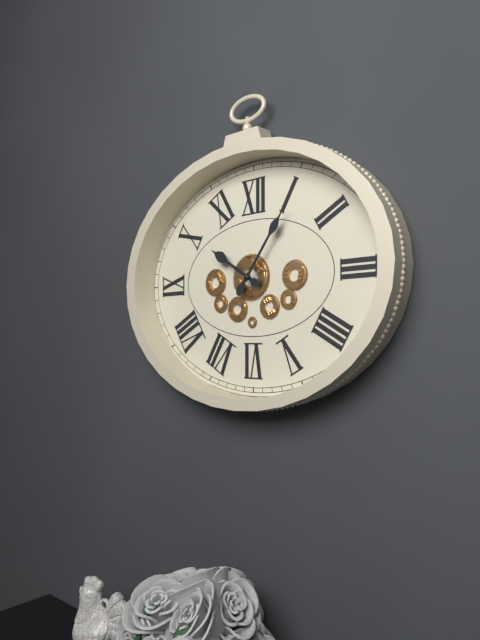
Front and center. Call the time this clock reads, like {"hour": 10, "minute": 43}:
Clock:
{"hour": 10, "minute": 6}
